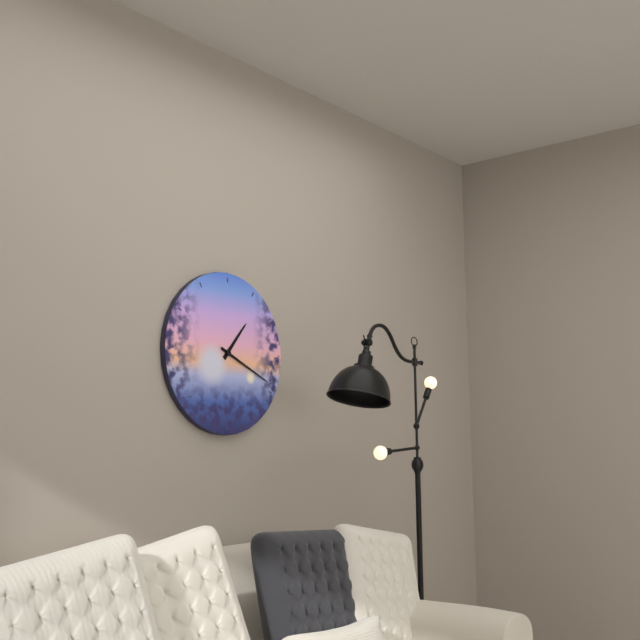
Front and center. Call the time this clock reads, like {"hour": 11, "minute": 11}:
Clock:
{"hour": 1, "minute": 19}
